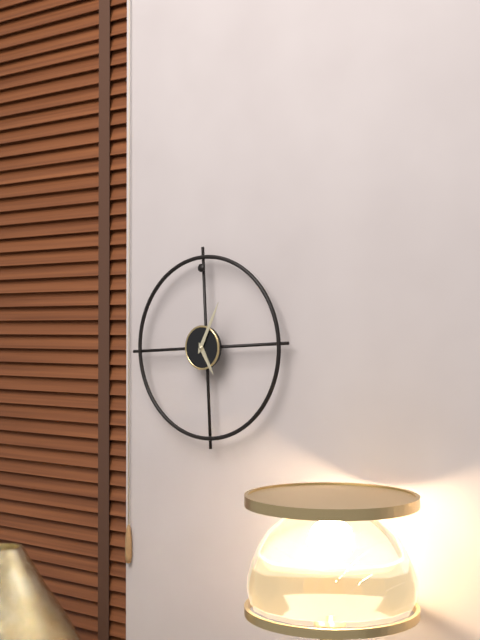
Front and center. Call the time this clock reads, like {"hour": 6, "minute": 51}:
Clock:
{"hour": 5, "minute": 5}
